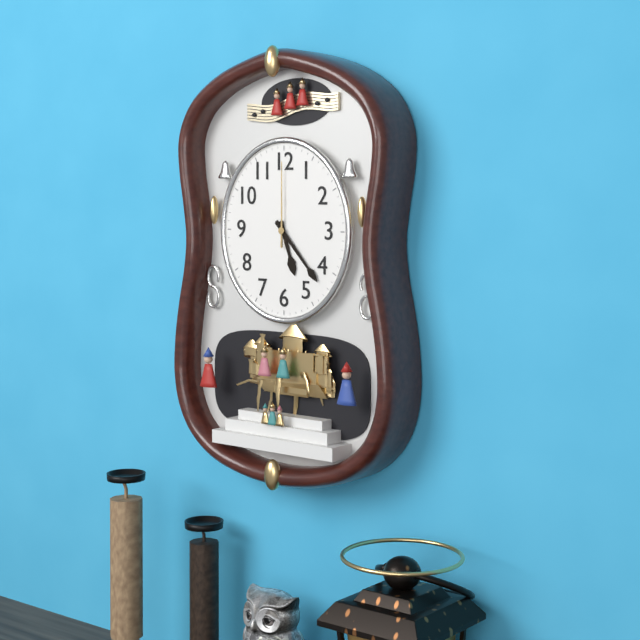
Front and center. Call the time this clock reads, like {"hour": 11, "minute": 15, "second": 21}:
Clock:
{"hour": 5, "minute": 23, "second": 0}
